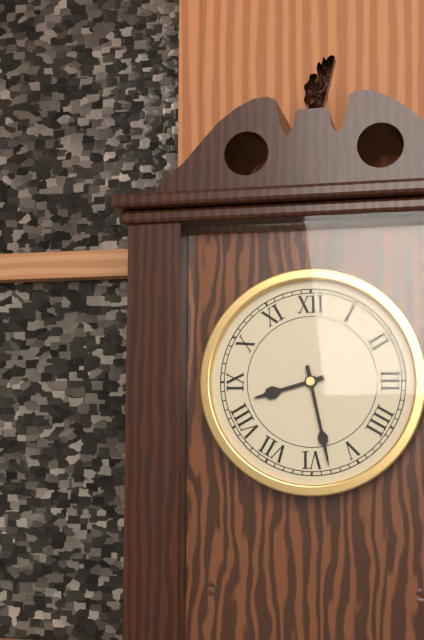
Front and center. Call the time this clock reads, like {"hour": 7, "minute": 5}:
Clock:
{"hour": 8, "minute": 28}
